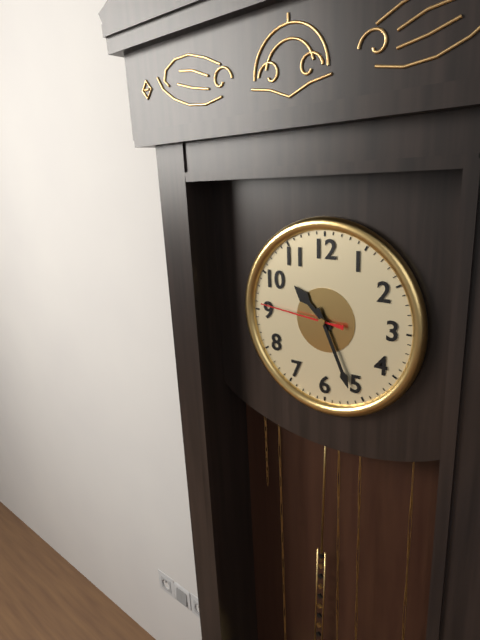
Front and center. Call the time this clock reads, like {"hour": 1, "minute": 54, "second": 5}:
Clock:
{"hour": 10, "minute": 26, "second": 46}
